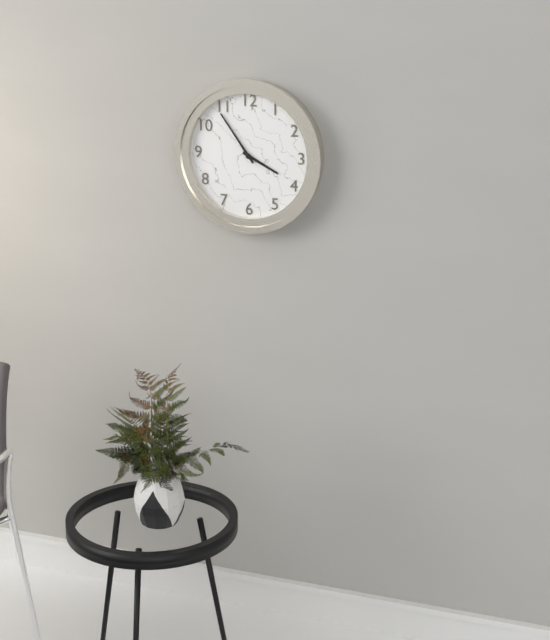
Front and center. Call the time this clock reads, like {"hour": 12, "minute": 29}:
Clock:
{"hour": 3, "minute": 54}
